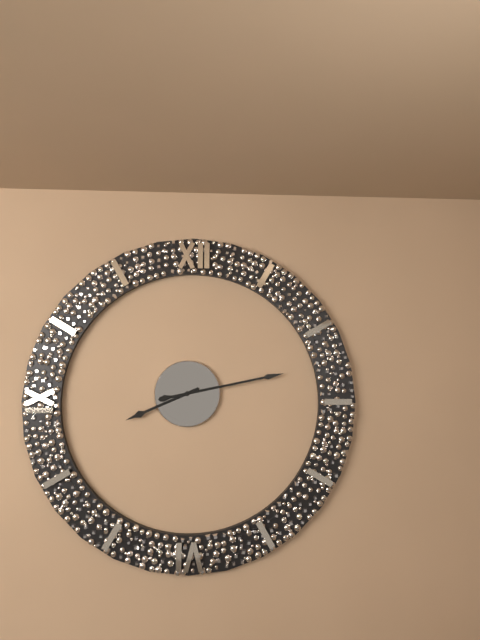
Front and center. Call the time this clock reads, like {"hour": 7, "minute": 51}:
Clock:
{"hour": 8, "minute": 13}
